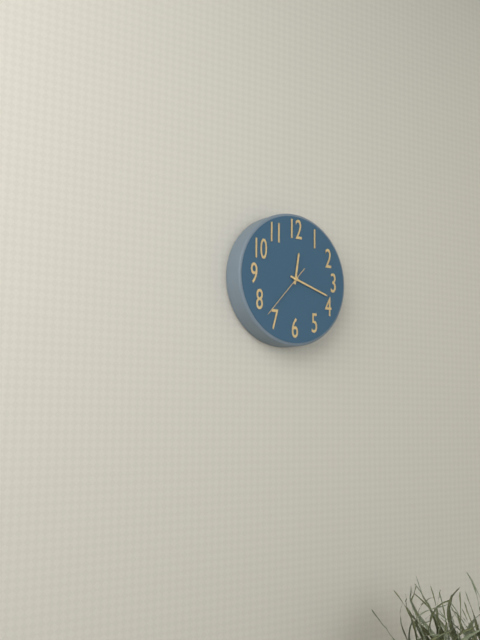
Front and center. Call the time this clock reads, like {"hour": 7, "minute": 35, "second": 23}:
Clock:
{"hour": 12, "minute": 18, "second": 37}
